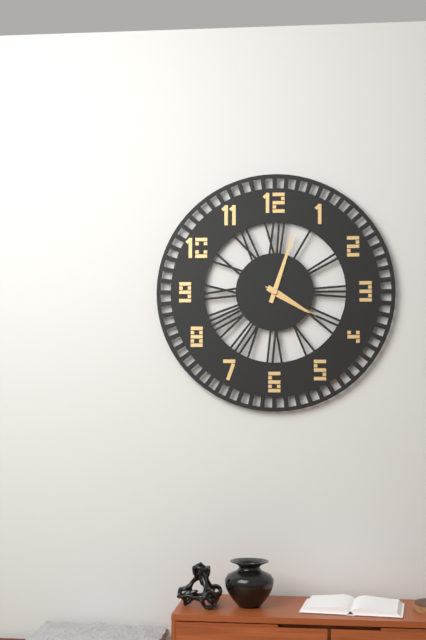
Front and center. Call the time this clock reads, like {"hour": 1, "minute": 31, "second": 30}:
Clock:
{"hour": 4, "minute": 3, "second": 20}
